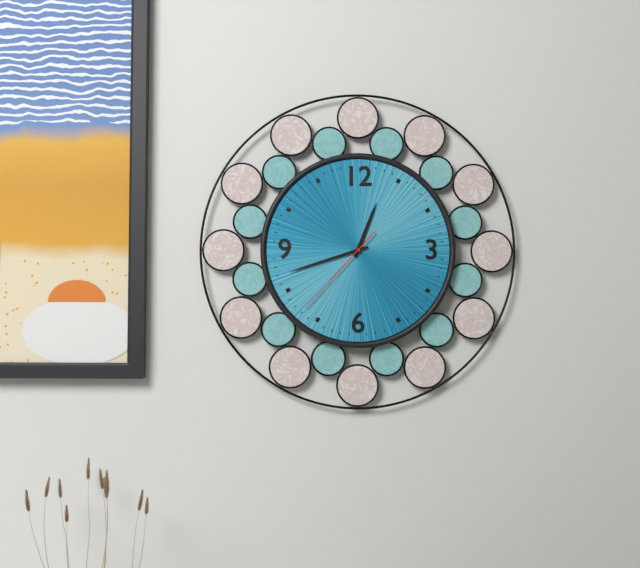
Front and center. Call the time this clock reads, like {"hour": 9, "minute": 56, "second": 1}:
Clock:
{"hour": 12, "minute": 42, "second": 37}
